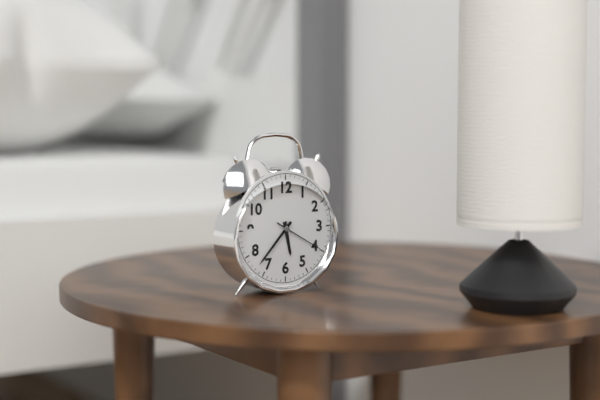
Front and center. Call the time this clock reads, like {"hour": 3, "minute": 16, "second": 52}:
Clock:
{"hour": 5, "minute": 37, "second": 20}
